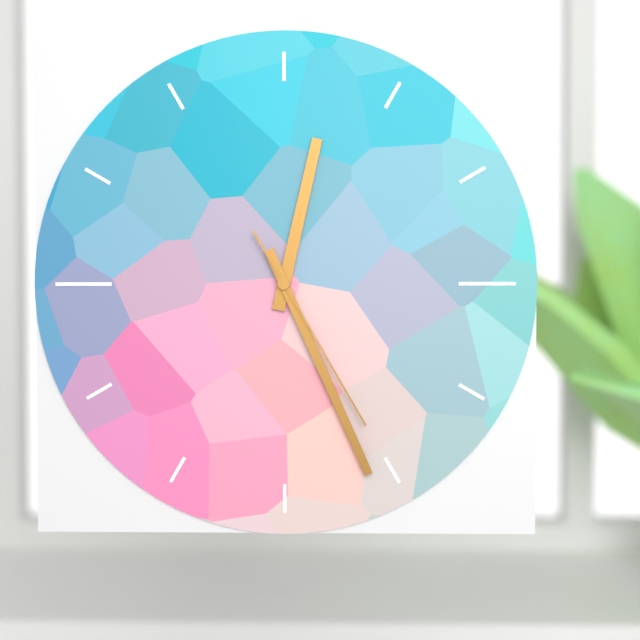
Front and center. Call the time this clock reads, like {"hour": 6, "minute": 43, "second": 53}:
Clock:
{"hour": 12, "minute": 26, "second": 25}
